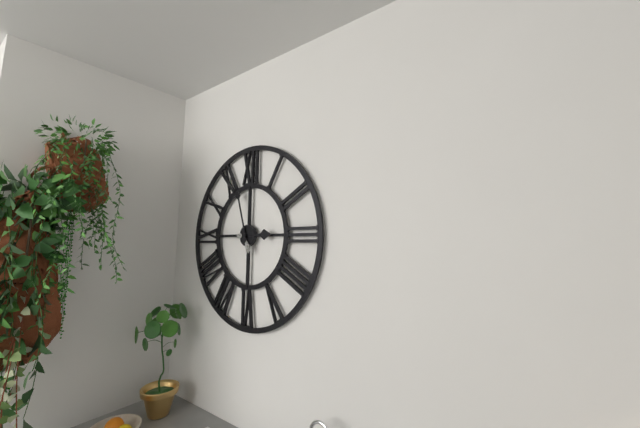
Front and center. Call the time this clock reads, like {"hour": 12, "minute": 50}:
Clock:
{"hour": 2, "minute": 57}
